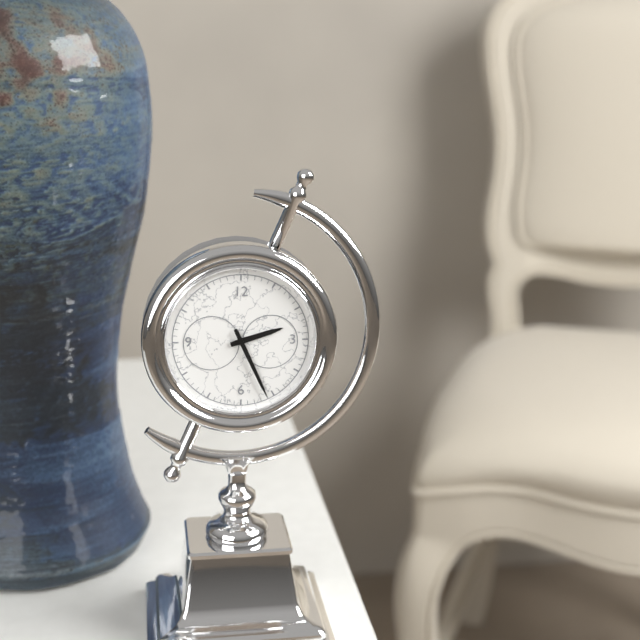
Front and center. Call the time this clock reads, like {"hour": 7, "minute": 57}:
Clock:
{"hour": 2, "minute": 26}
